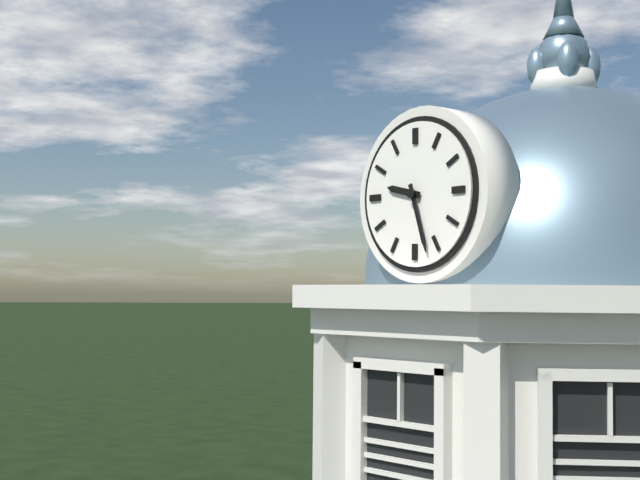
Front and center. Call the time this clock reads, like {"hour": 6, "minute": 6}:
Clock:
{"hour": 9, "minute": 27}
